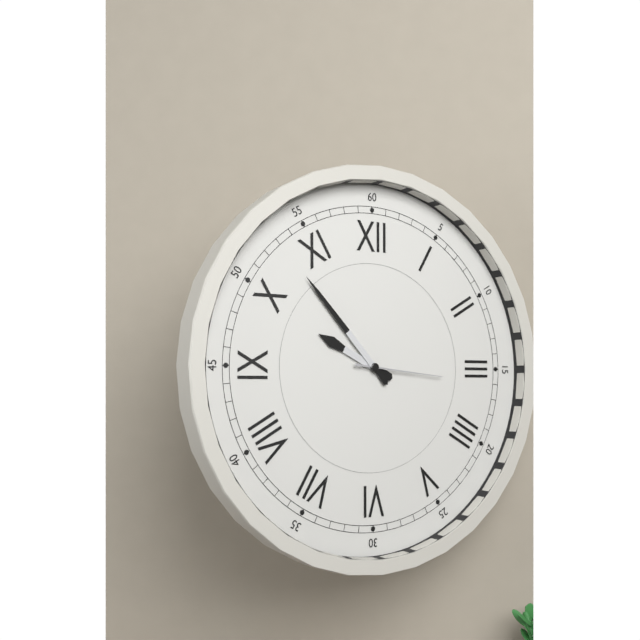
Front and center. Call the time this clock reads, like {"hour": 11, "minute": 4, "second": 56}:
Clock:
{"hour": 9, "minute": 53, "second": 16}
